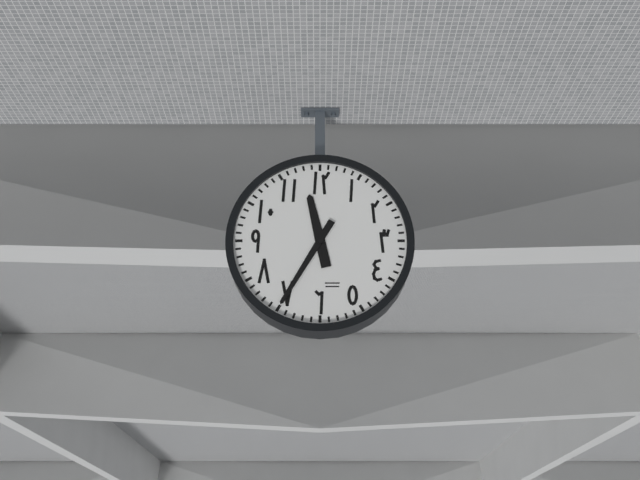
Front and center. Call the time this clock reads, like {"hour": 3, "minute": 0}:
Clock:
{"hour": 11, "minute": 35}
